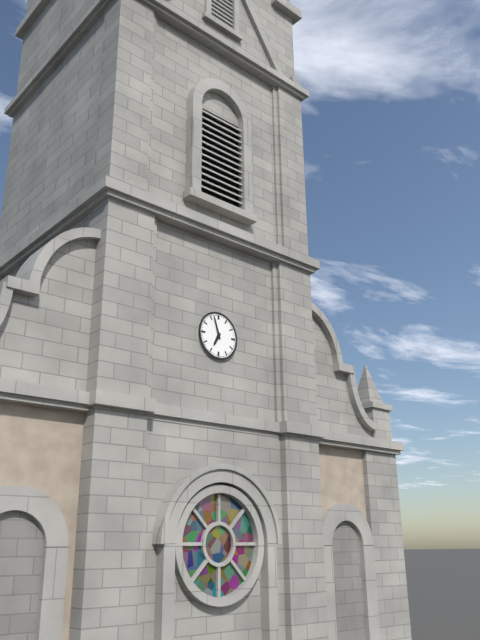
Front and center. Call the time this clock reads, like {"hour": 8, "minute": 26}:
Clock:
{"hour": 6, "minute": 57}
